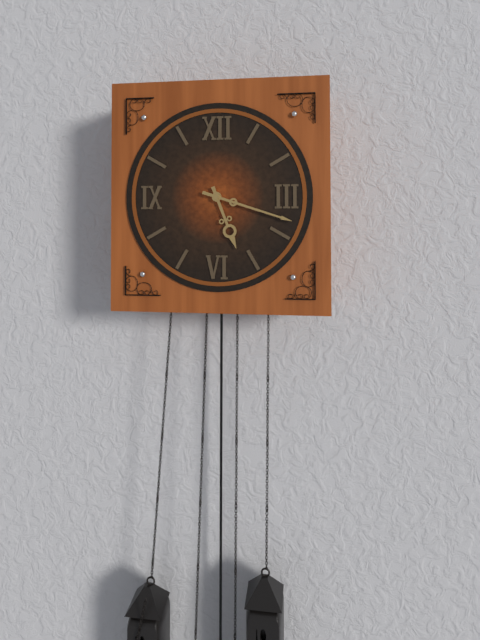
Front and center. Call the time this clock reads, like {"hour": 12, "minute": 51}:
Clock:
{"hour": 5, "minute": 18}
